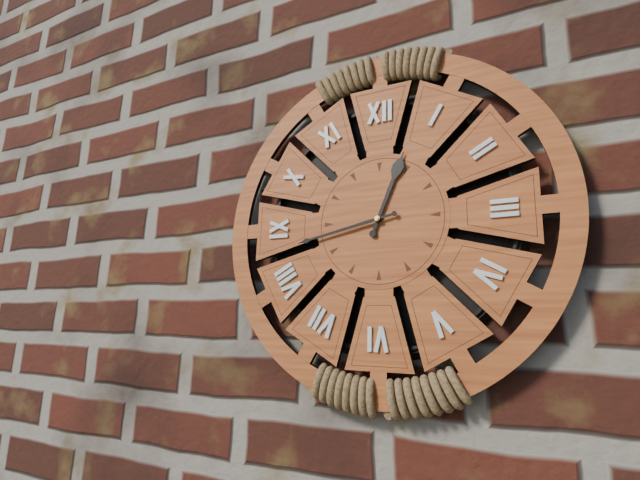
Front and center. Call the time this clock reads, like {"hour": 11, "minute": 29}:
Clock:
{"hour": 12, "minute": 43}
